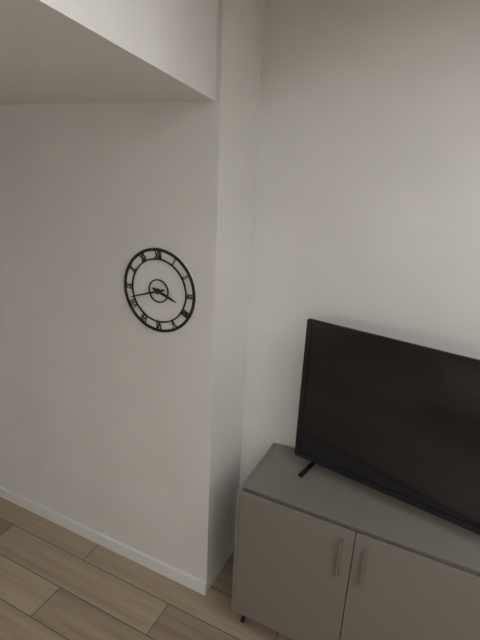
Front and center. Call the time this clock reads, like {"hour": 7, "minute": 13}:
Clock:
{"hour": 3, "minute": 42}
